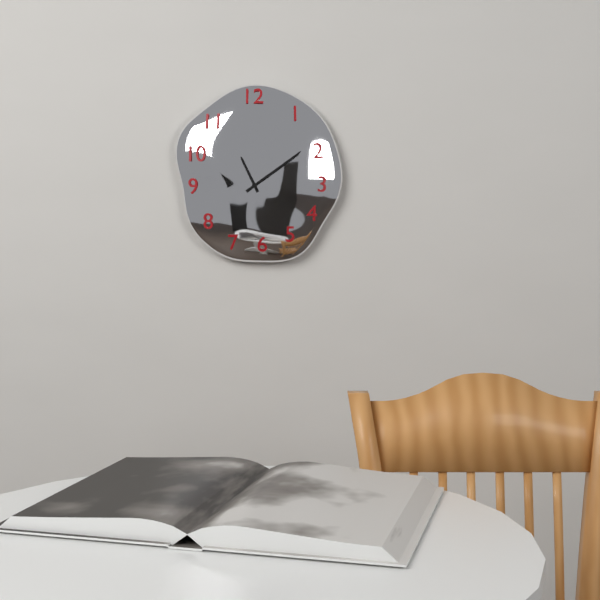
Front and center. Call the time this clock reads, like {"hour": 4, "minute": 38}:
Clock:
{"hour": 11, "minute": 9}
